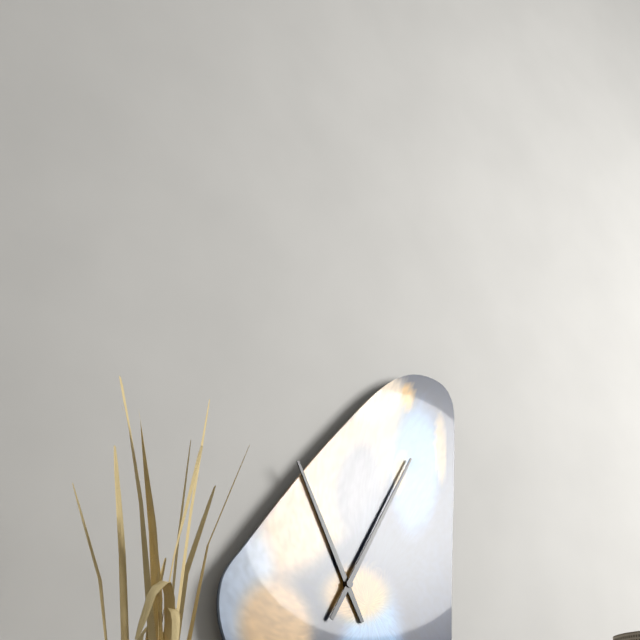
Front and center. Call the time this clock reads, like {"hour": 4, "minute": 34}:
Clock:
{"hour": 11, "minute": 5}
